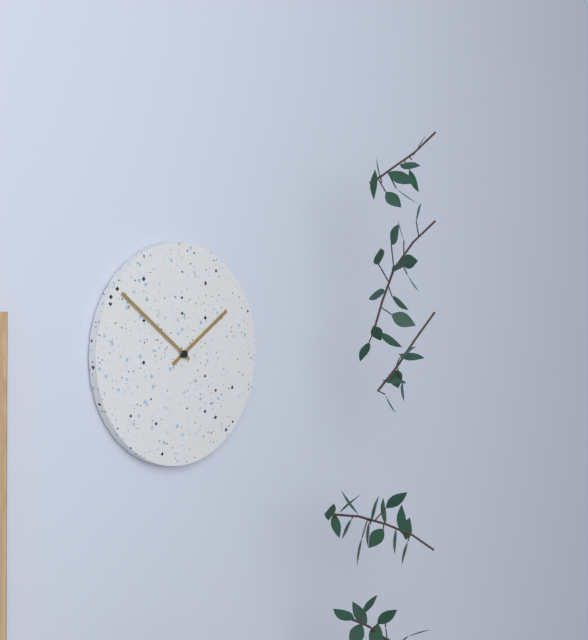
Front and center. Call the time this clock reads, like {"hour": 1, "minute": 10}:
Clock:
{"hour": 1, "minute": 51}
